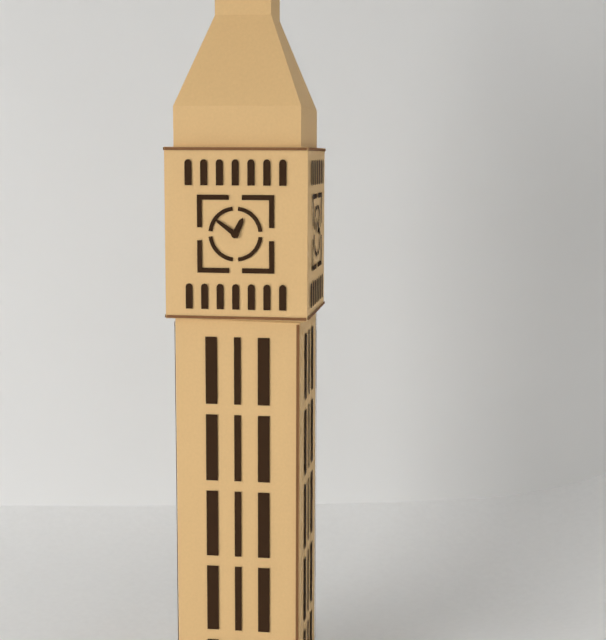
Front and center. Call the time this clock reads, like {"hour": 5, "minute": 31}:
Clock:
{"hour": 12, "minute": 51}
